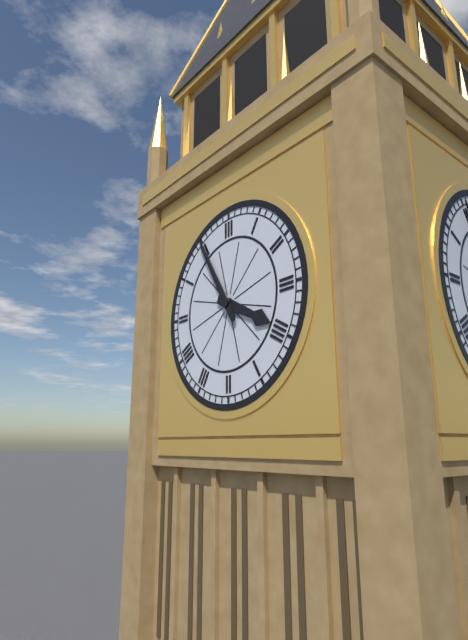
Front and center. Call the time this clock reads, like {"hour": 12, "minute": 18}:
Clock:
{"hour": 3, "minute": 55}
